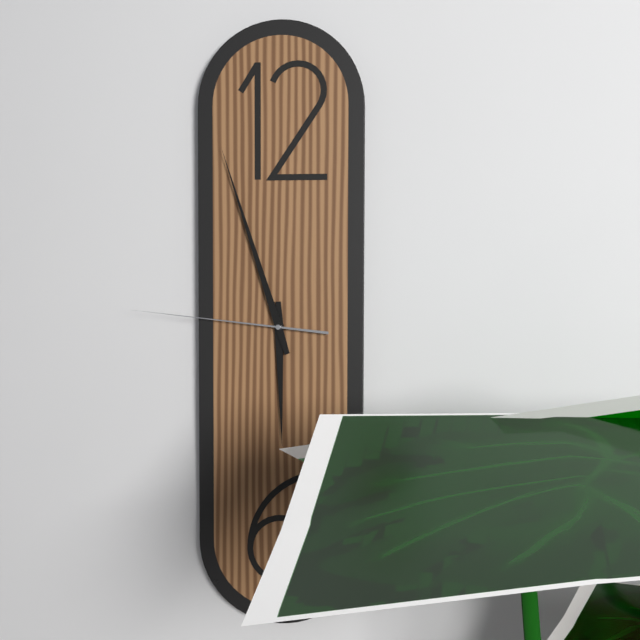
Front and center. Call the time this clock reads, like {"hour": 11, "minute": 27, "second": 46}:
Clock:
{"hour": 5, "minute": 57, "second": 46}
